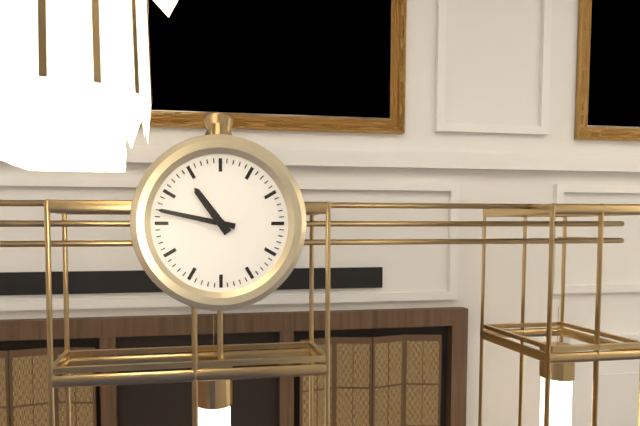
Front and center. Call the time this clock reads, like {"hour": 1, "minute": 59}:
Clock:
{"hour": 10, "minute": 47}
